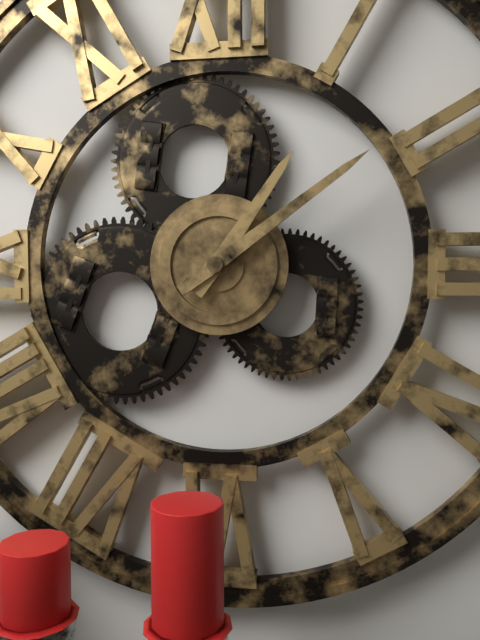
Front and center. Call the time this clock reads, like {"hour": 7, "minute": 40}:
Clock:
{"hour": 1, "minute": 9}
